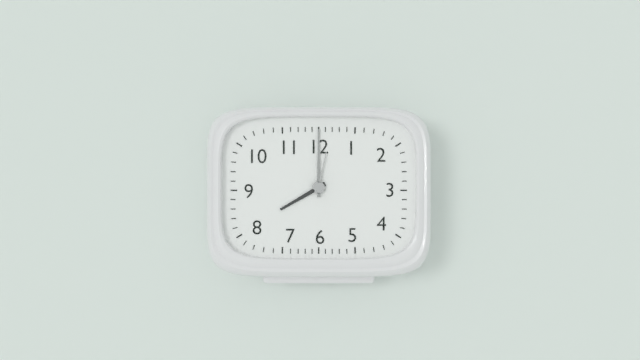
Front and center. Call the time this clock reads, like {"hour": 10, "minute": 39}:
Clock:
{"hour": 8, "minute": 0}
